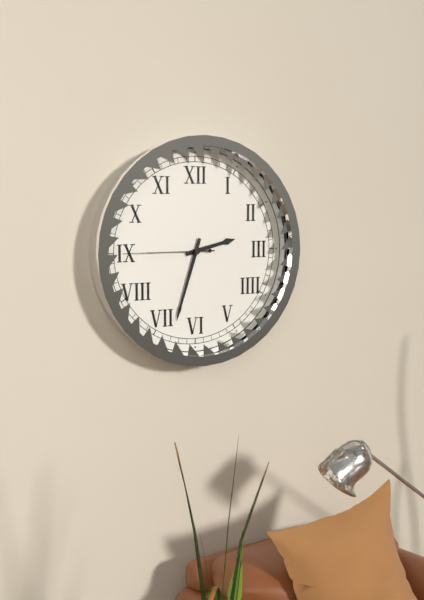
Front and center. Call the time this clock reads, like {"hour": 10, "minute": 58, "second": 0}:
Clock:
{"hour": 2, "minute": 33, "second": 45}
